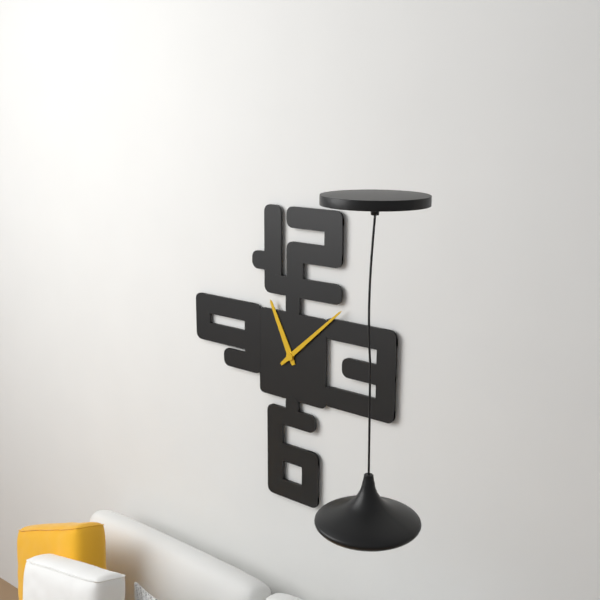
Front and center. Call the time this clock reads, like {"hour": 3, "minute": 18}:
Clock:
{"hour": 11, "minute": 8}
